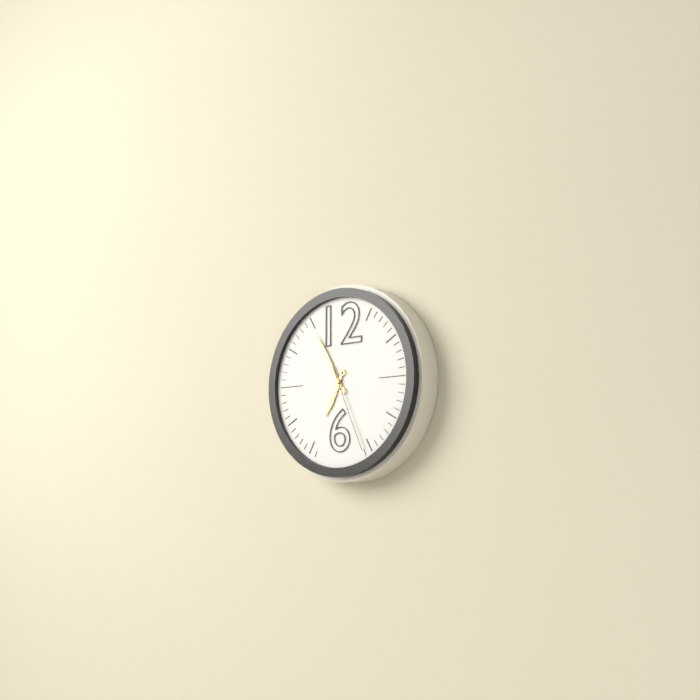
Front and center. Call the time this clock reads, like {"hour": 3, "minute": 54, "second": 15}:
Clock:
{"hour": 6, "minute": 55, "second": 26}
